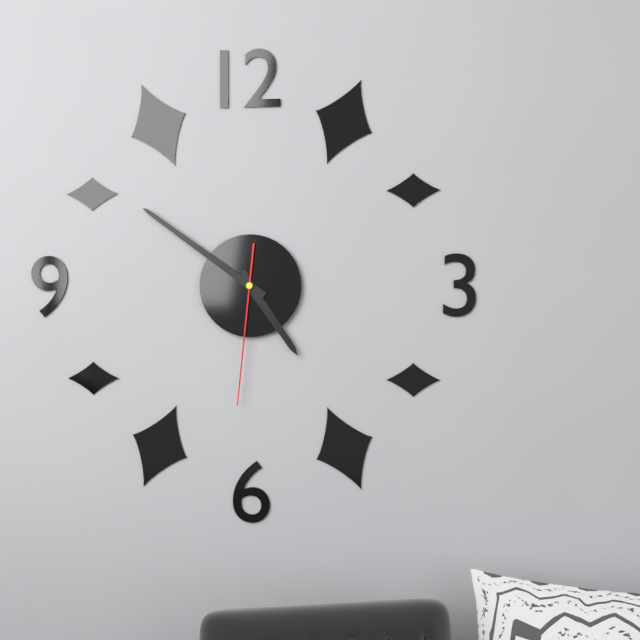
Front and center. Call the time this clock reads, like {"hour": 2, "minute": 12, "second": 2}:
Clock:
{"hour": 4, "minute": 51, "second": 31}
